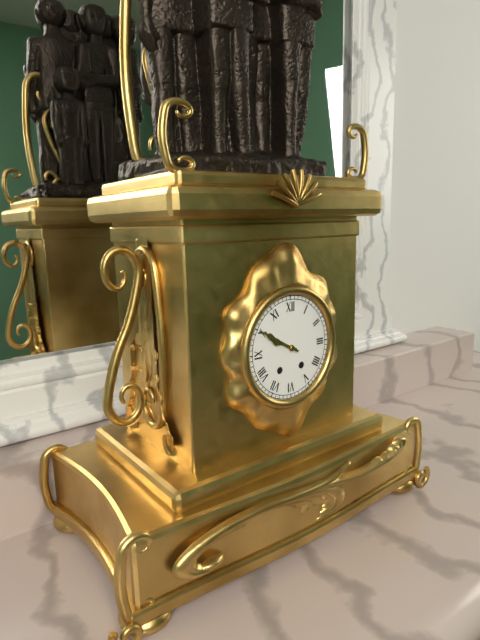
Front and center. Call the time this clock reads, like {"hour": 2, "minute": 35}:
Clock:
{"hour": 9, "minute": 50}
